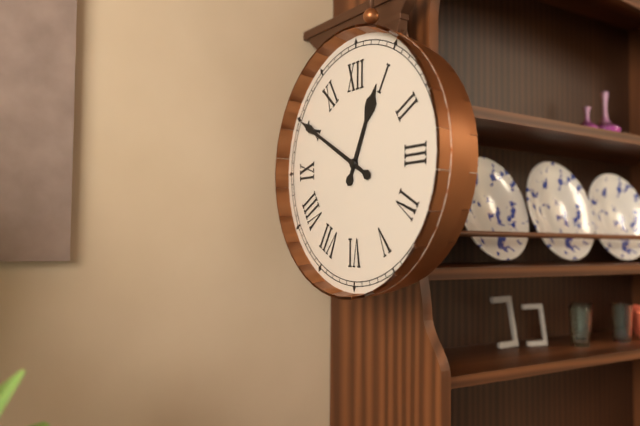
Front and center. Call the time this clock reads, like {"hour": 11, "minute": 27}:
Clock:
{"hour": 12, "minute": 50}
